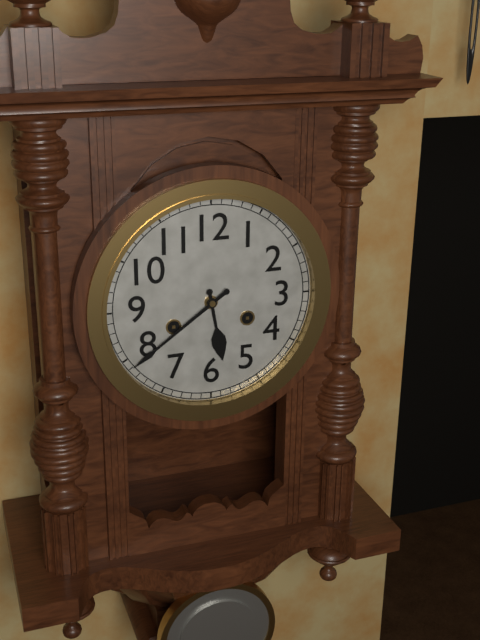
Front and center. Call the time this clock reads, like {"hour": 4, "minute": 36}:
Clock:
{"hour": 5, "minute": 39}
